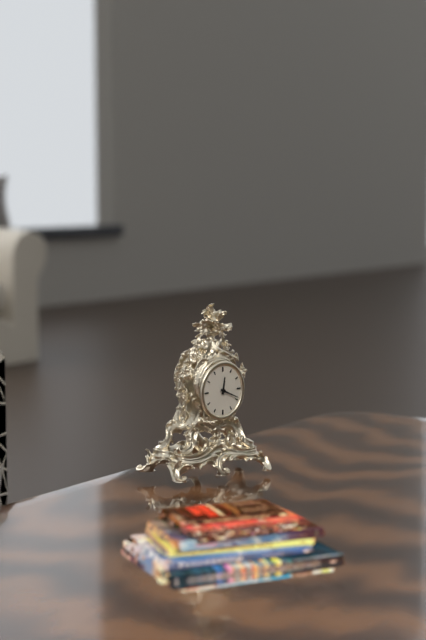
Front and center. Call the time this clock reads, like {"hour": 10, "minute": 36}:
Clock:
{"hour": 12, "minute": 19}
